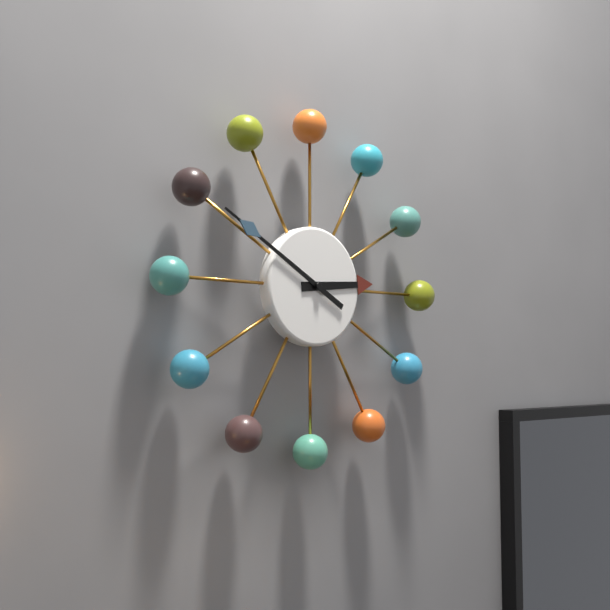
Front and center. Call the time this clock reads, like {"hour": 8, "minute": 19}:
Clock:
{"hour": 2, "minute": 50}
